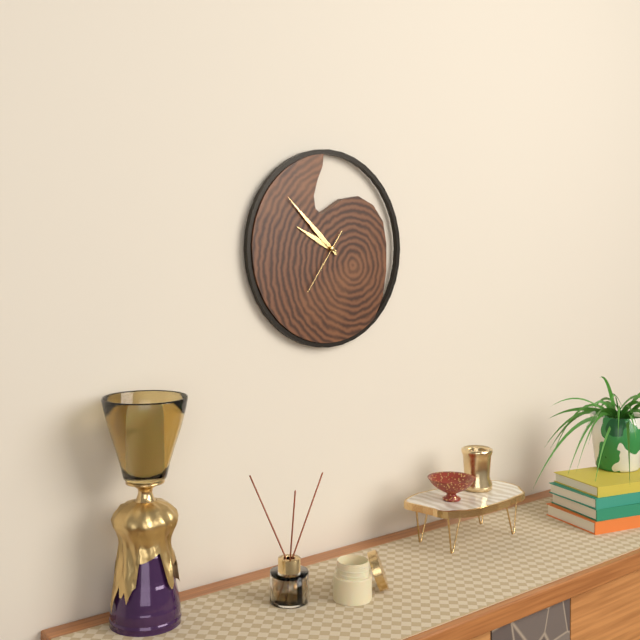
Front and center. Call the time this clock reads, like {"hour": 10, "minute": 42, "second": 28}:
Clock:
{"hour": 9, "minute": 52, "second": 36}
